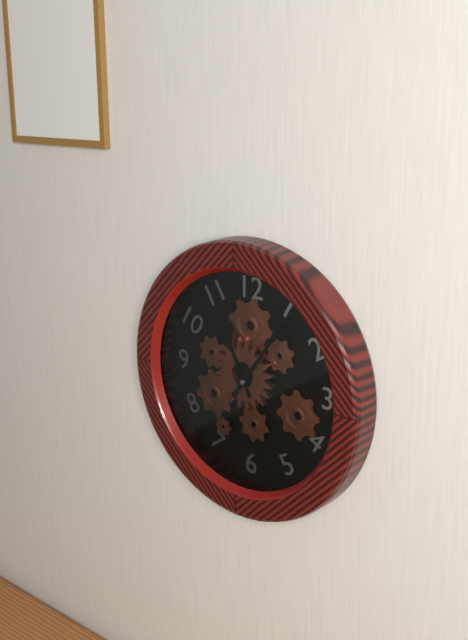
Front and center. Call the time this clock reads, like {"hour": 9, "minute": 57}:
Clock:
{"hour": 11, "minute": 6}
